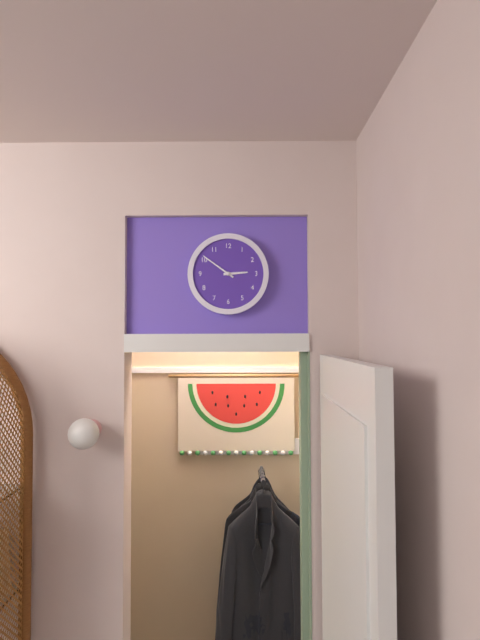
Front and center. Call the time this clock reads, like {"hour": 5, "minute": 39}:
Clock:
{"hour": 2, "minute": 51}
